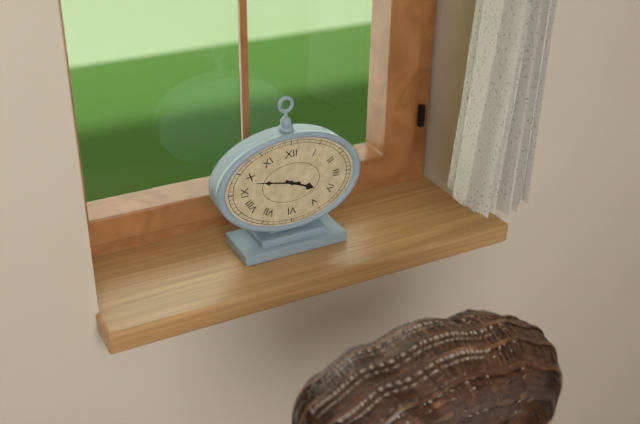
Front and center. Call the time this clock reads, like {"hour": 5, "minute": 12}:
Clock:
{"hour": 3, "minute": 47}
